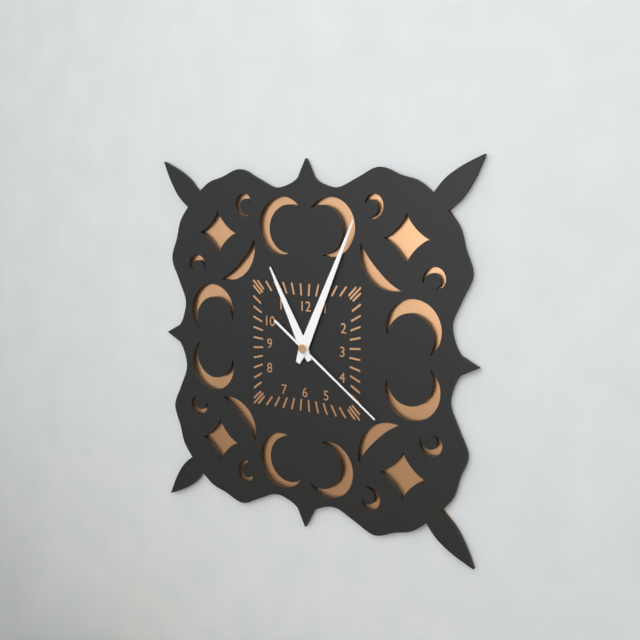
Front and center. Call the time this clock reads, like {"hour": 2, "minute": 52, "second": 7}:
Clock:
{"hour": 11, "minute": 4, "second": 21}
